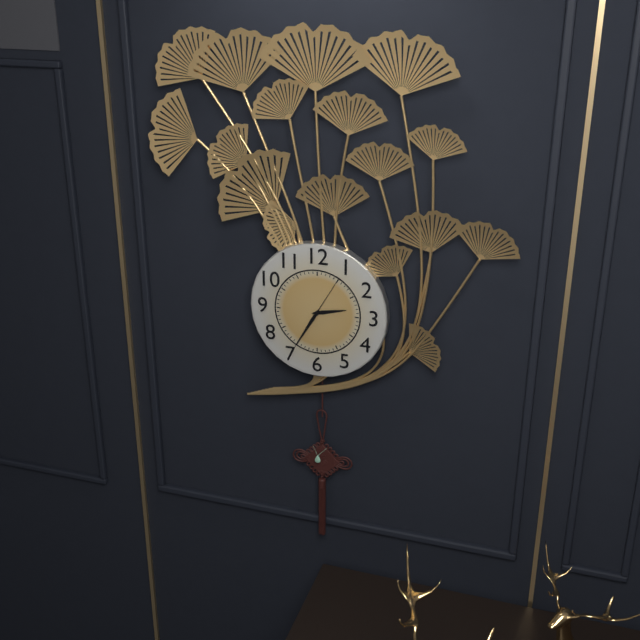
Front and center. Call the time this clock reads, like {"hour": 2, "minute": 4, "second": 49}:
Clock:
{"hour": 2, "minute": 35, "second": 5}
